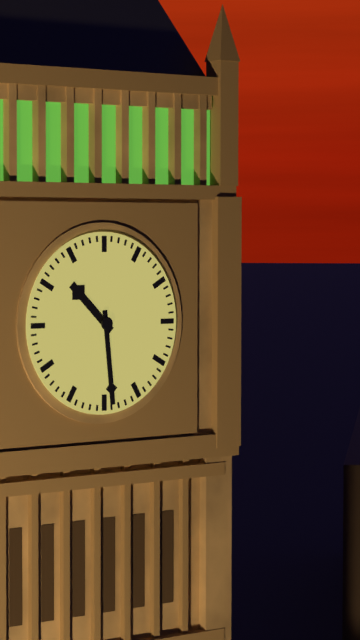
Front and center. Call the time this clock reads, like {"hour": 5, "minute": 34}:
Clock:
{"hour": 10, "minute": 29}
